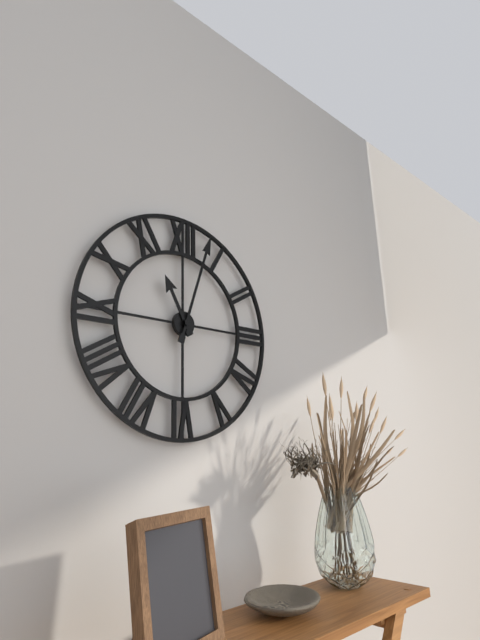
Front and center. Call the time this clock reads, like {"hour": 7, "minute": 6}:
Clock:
{"hour": 11, "minute": 3}
